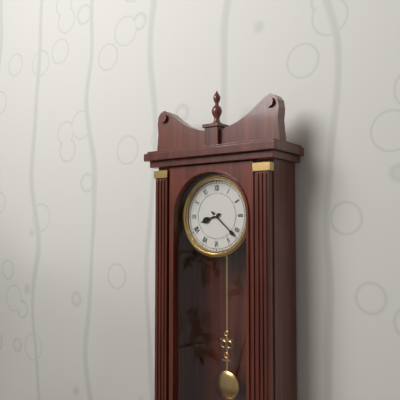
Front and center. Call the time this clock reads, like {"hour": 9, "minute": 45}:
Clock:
{"hour": 8, "minute": 22}
